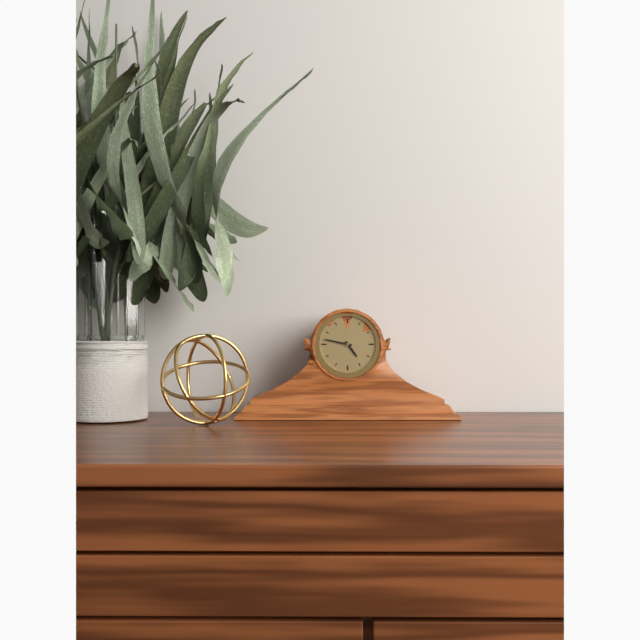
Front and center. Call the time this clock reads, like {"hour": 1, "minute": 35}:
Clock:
{"hour": 4, "minute": 47}
